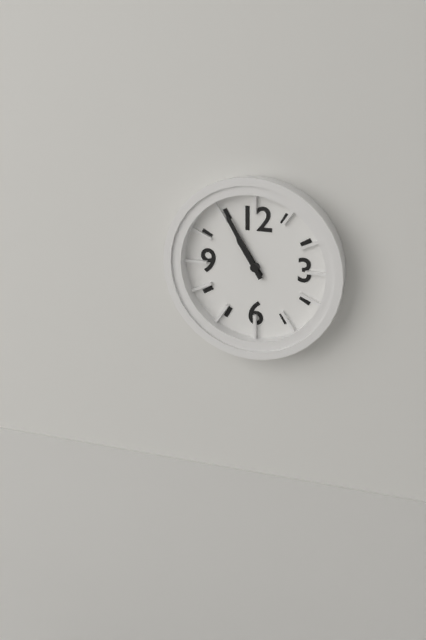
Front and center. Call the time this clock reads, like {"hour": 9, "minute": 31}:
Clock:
{"hour": 10, "minute": 55}
